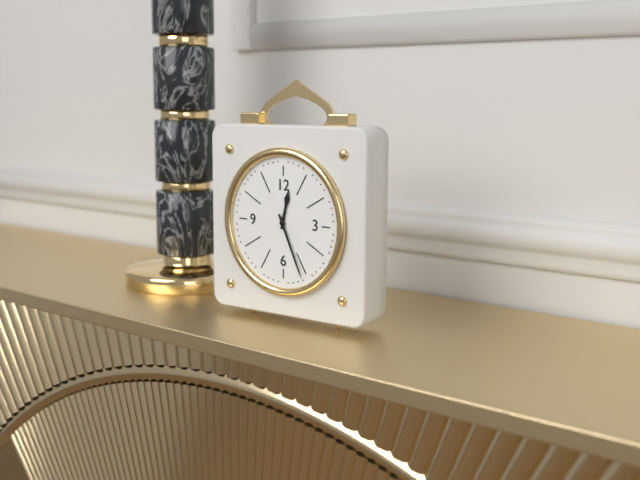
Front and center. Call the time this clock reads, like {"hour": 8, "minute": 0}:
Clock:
{"hour": 12, "minute": 26}
